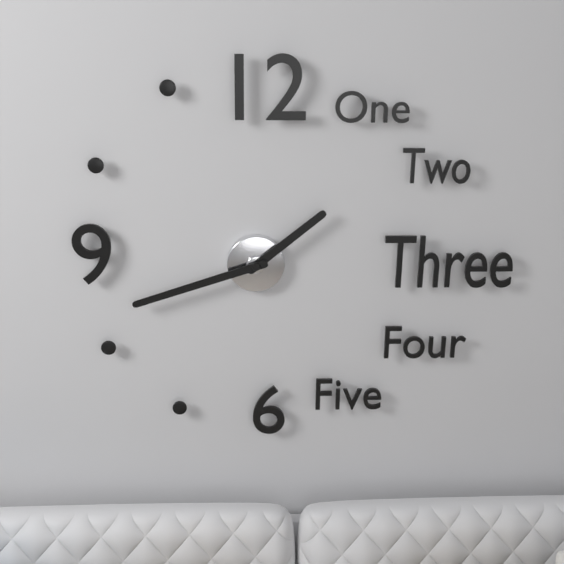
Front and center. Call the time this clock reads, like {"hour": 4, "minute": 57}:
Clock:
{"hour": 1, "minute": 42}
